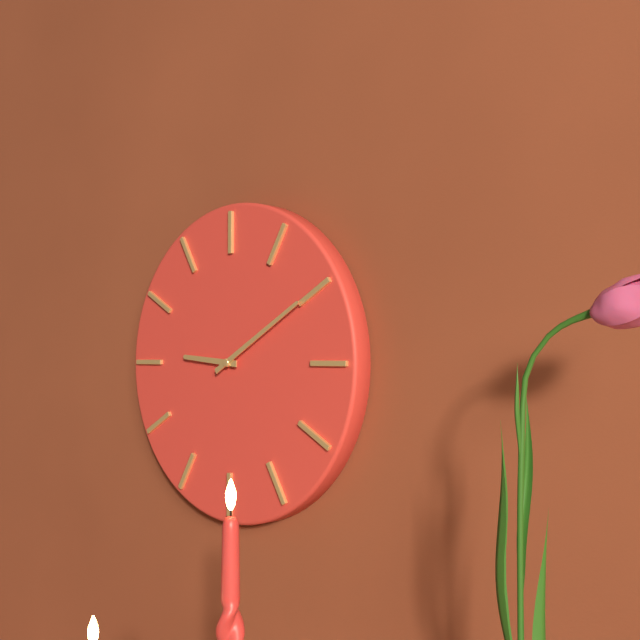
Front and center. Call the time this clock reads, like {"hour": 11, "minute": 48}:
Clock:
{"hour": 9, "minute": 10}
